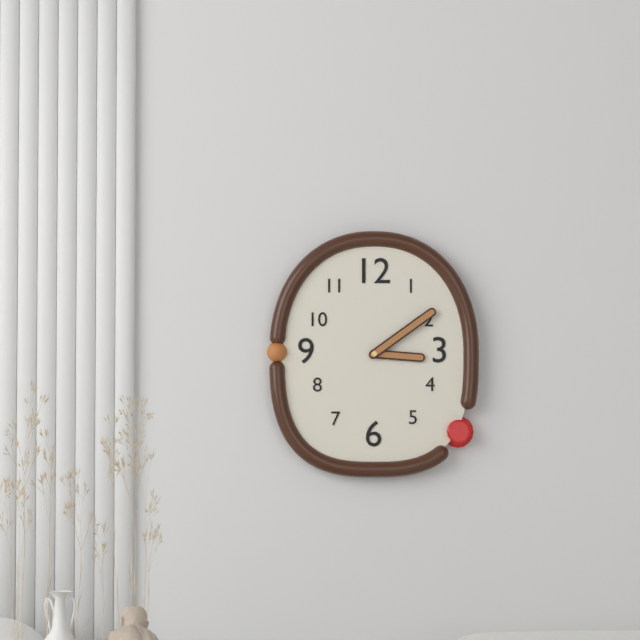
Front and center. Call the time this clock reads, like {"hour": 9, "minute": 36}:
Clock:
{"hour": 3, "minute": 9}
